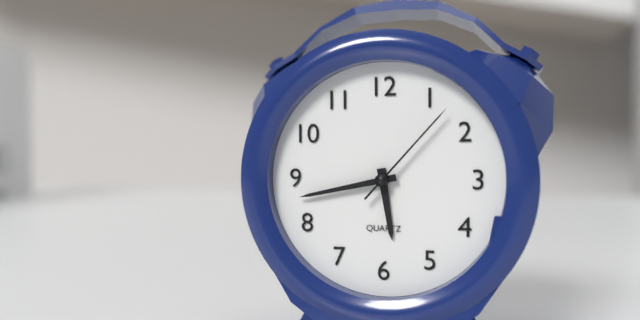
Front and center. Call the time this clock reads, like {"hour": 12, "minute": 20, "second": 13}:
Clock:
{"hour": 5, "minute": 43, "second": 7}
